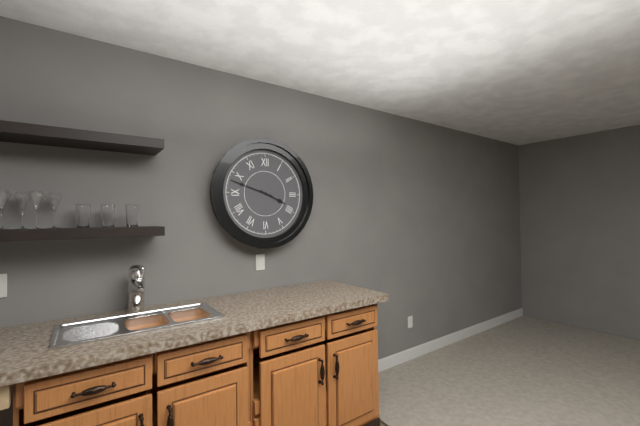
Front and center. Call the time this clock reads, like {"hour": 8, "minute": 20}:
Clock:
{"hour": 3, "minute": 48}
